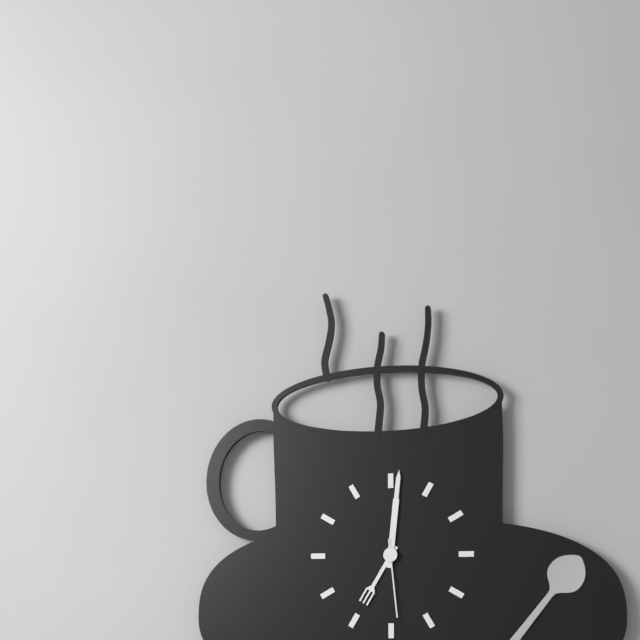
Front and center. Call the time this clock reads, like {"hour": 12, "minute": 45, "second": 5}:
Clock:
{"hour": 7, "minute": 1, "second": 29}
